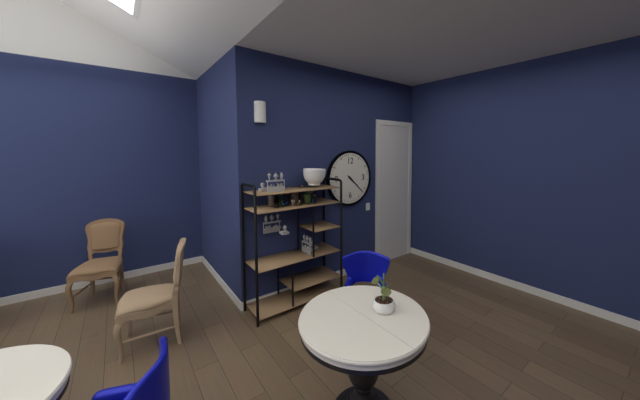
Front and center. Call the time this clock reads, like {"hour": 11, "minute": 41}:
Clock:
{"hour": 4, "minute": 22}
